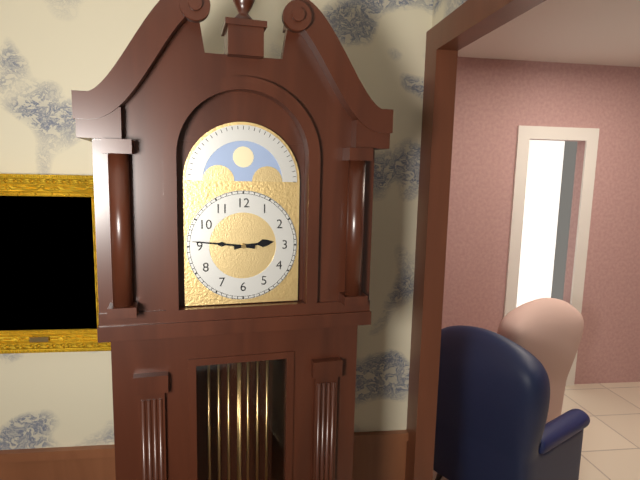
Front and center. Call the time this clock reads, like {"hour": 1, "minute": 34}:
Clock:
{"hour": 2, "minute": 46}
